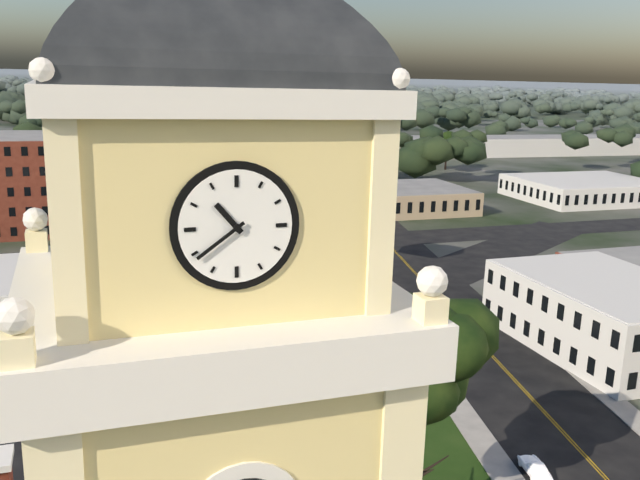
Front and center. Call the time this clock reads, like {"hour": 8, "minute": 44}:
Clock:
{"hour": 10, "minute": 39}
